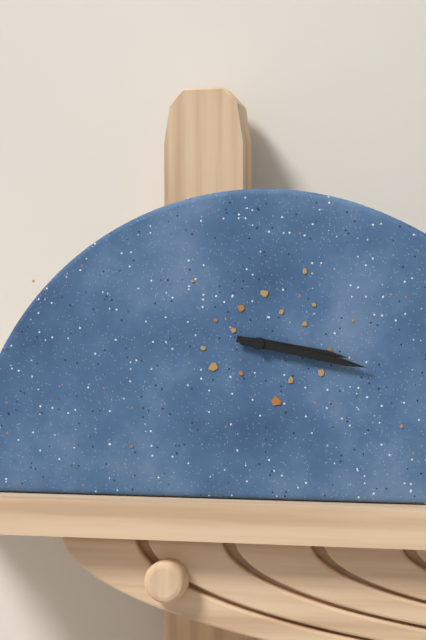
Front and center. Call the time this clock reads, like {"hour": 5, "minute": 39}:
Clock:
{"hour": 3, "minute": 17}
